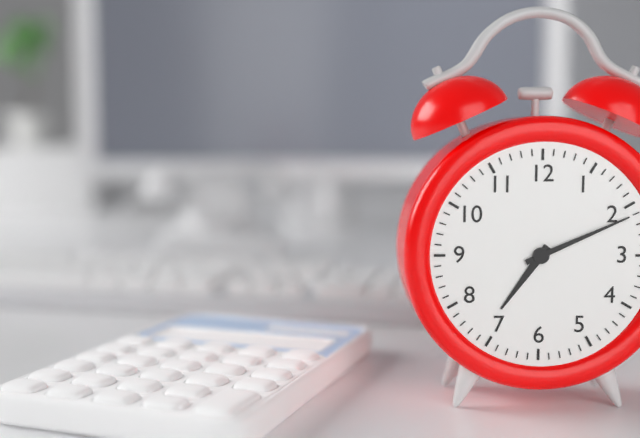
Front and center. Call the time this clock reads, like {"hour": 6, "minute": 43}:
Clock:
{"hour": 7, "minute": 11}
